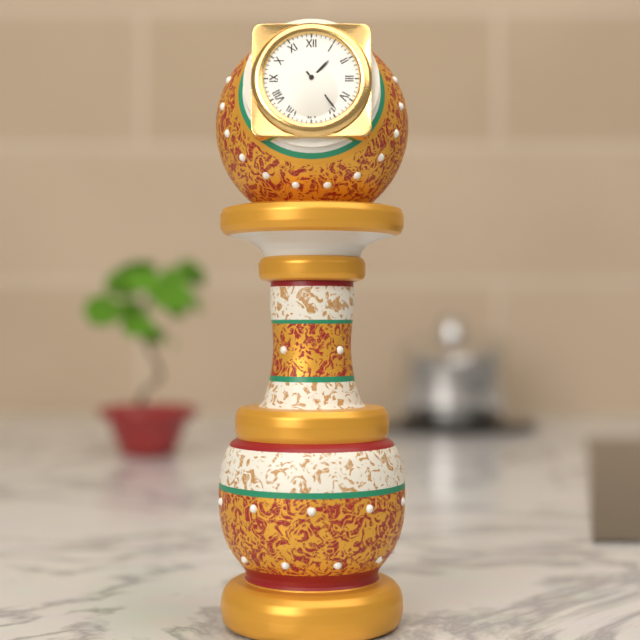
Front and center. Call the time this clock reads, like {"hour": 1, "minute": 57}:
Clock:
{"hour": 1, "minute": 24}
